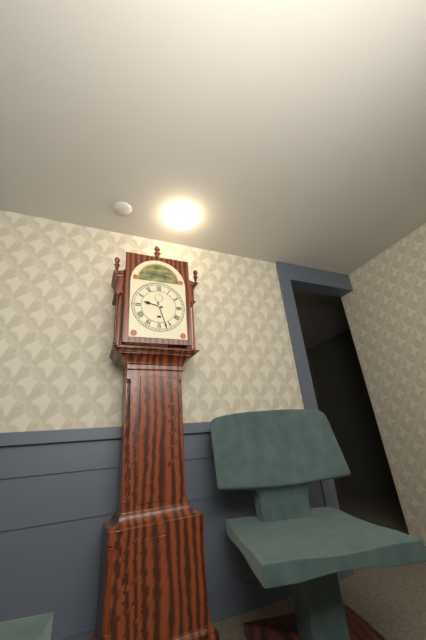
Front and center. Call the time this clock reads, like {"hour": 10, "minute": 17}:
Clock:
{"hour": 9, "minute": 27}
